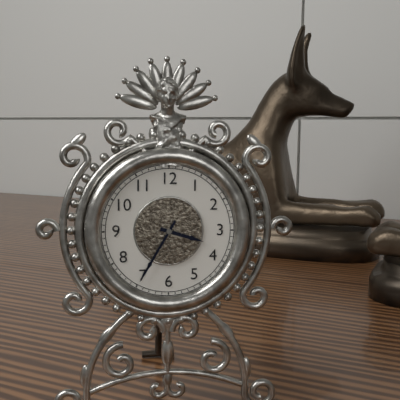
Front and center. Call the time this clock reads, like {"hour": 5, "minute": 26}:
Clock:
{"hour": 3, "minute": 35}
